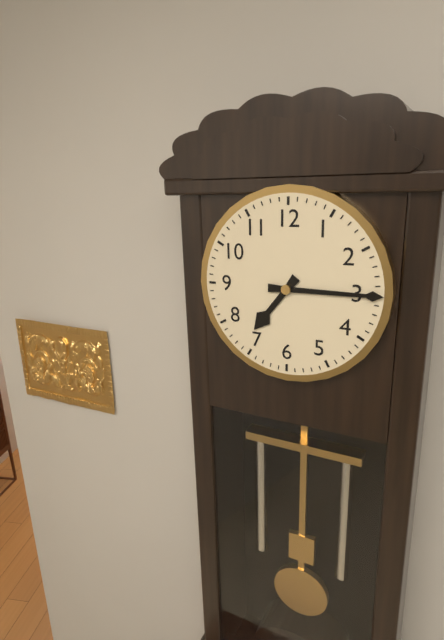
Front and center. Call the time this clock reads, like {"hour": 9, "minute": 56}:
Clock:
{"hour": 7, "minute": 15}
